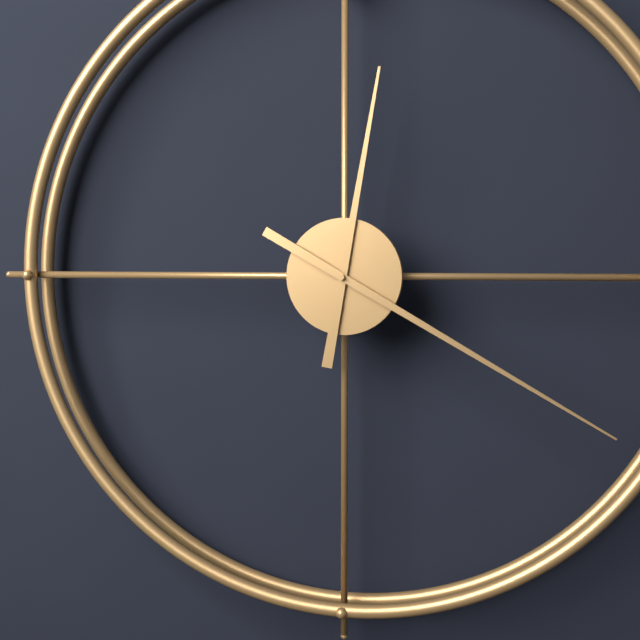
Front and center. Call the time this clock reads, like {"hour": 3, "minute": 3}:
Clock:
{"hour": 12, "minute": 20}
